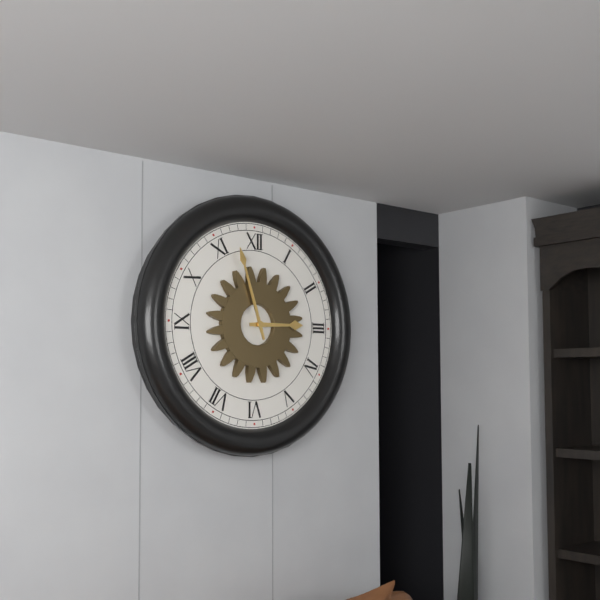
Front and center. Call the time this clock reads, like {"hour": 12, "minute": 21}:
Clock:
{"hour": 2, "minute": 57}
